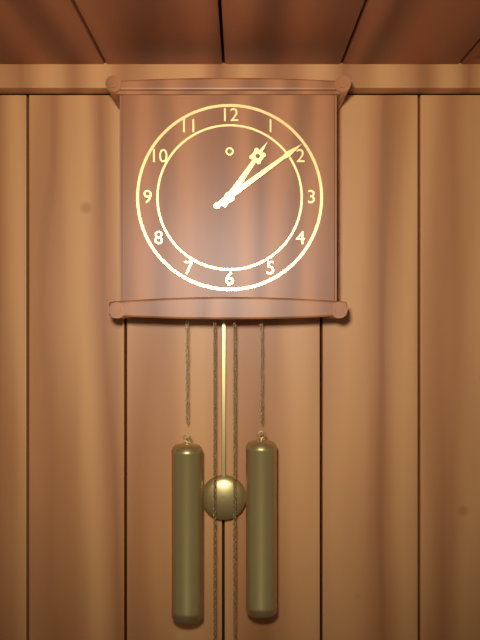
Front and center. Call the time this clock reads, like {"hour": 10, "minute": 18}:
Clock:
{"hour": 1, "minute": 9}
